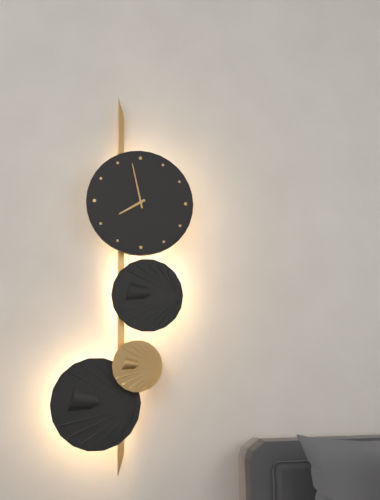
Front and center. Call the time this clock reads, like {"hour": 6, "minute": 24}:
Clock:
{"hour": 7, "minute": 58}
